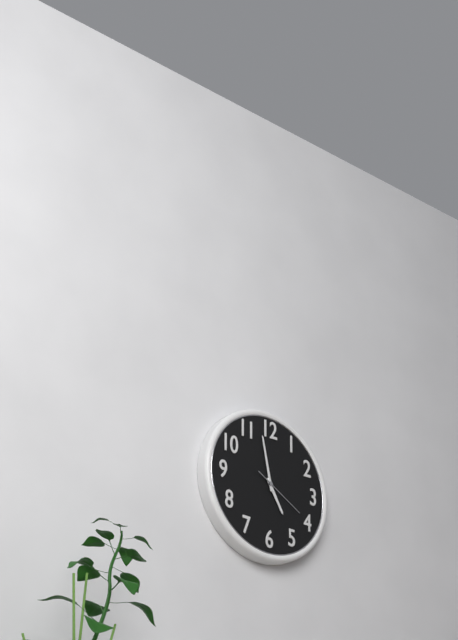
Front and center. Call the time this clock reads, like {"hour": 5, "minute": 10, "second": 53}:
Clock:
{"hour": 4, "minute": 58, "second": 20}
